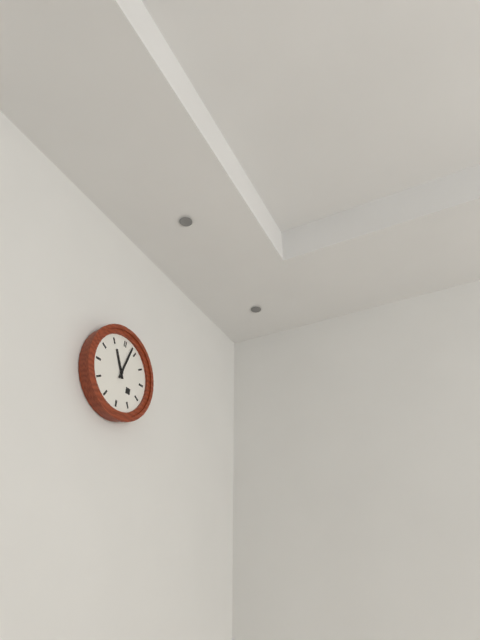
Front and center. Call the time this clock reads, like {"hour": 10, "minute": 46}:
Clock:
{"hour": 11, "minute": 3}
